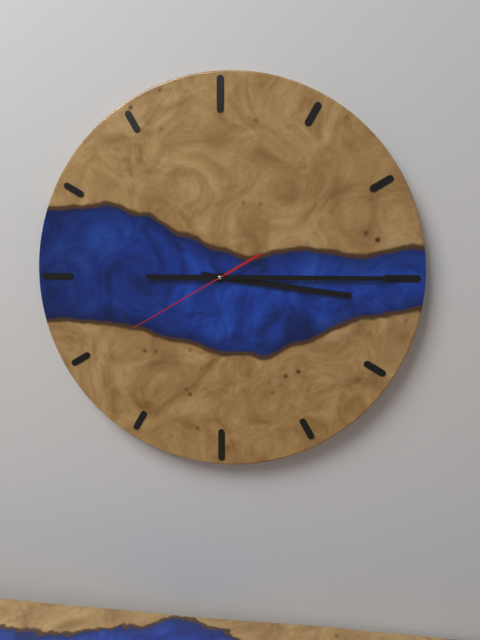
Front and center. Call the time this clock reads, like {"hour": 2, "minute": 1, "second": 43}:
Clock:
{"hour": 3, "minute": 15, "second": 40}
